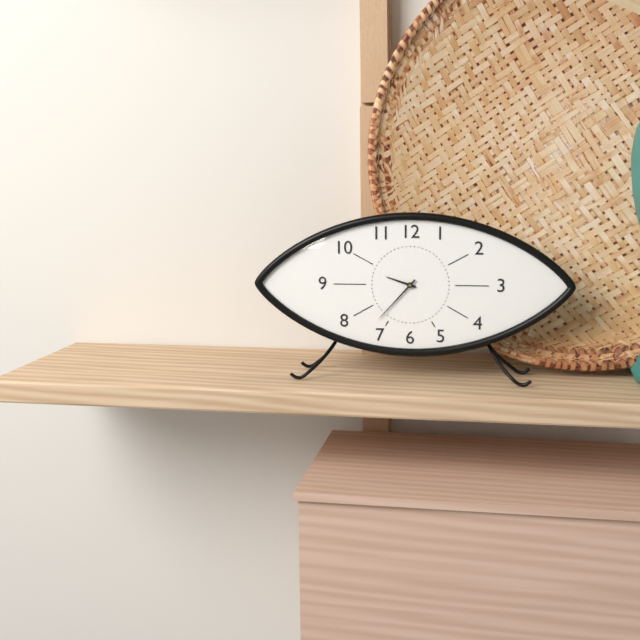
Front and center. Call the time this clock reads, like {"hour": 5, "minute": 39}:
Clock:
{"hour": 9, "minute": 37}
